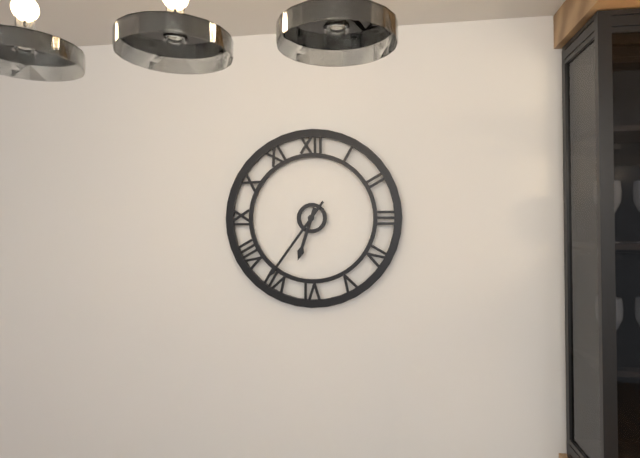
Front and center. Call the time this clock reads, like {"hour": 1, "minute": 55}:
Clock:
{"hour": 6, "minute": 36}
